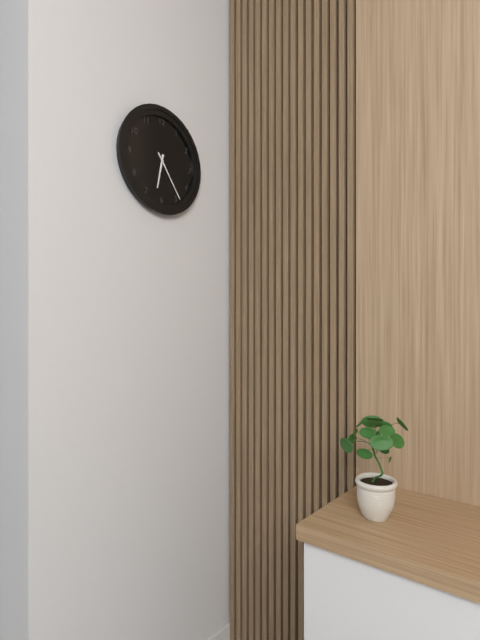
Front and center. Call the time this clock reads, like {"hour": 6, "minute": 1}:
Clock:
{"hour": 6, "minute": 24}
